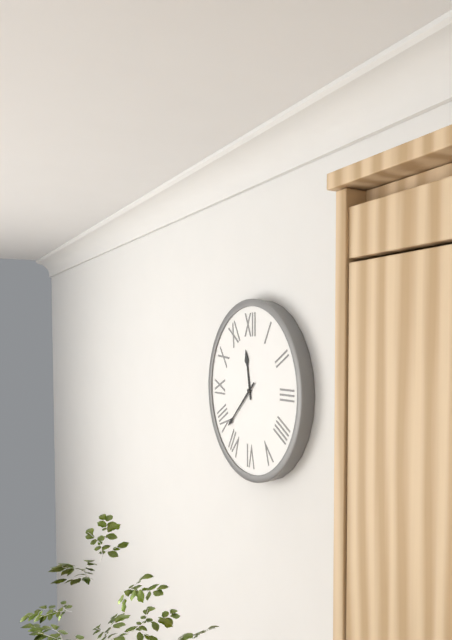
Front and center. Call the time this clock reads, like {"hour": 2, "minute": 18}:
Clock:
{"hour": 11, "minute": 38}
